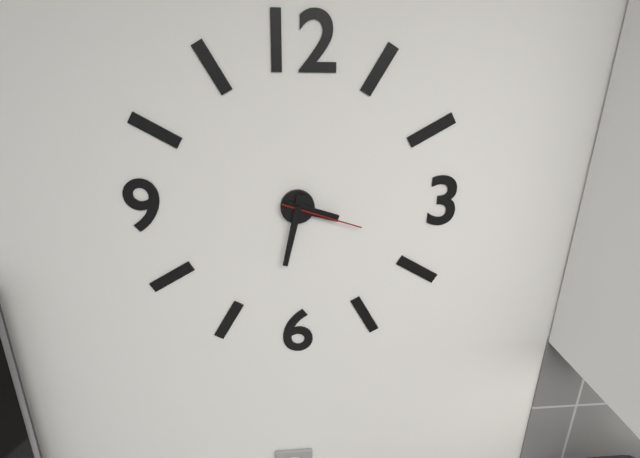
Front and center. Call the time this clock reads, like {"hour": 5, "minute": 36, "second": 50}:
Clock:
{"hour": 3, "minute": 32, "second": 18}
